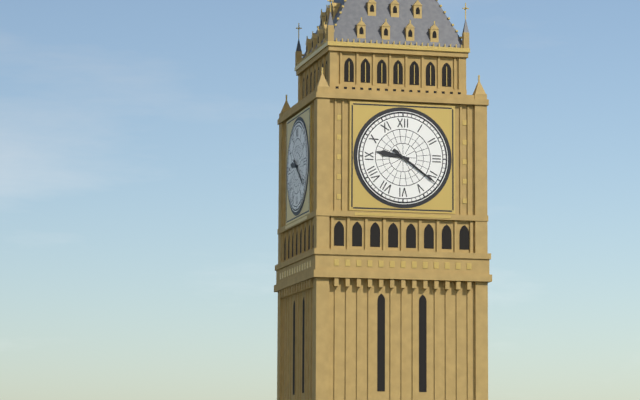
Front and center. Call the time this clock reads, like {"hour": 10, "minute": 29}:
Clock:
{"hour": 9, "minute": 21}
